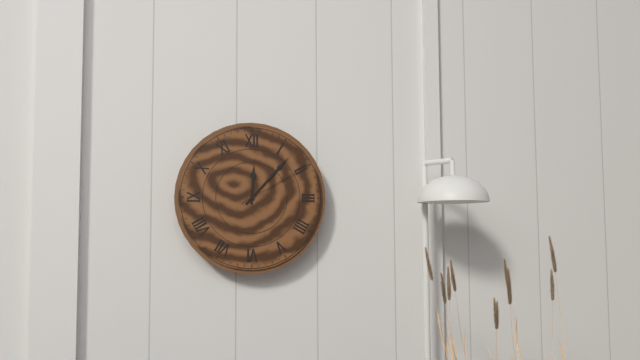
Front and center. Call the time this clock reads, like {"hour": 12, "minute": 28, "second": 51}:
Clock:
{"hour": 12, "minute": 7, "second": 10}
